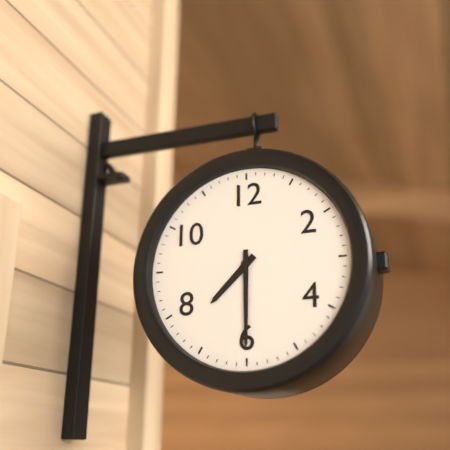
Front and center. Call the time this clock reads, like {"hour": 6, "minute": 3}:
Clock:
{"hour": 7, "minute": 30}
